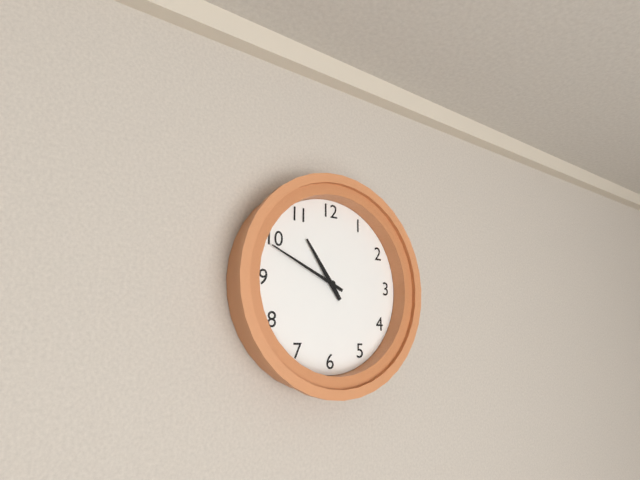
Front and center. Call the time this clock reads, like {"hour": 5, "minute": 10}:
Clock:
{"hour": 10, "minute": 49}
